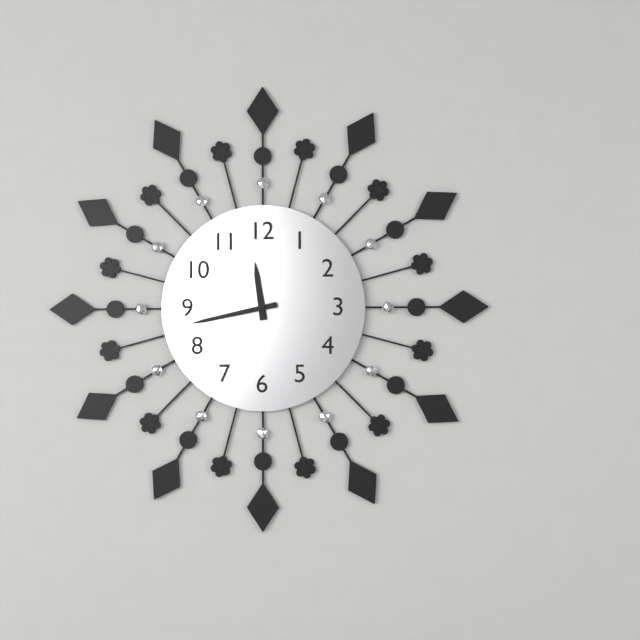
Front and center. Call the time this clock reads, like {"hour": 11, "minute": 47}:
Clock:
{"hour": 11, "minute": 43}
